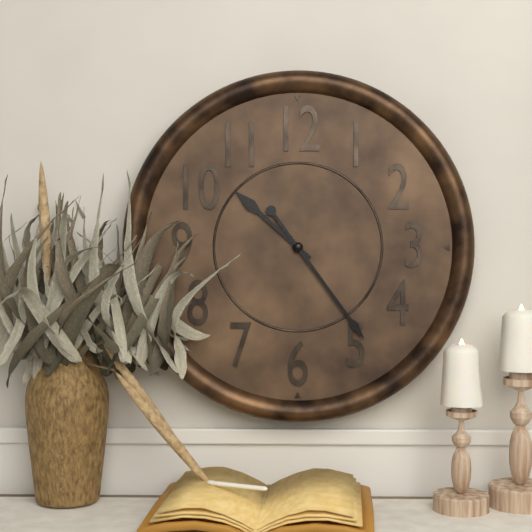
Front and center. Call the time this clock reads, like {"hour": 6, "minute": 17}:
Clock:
{"hour": 10, "minute": 24}
